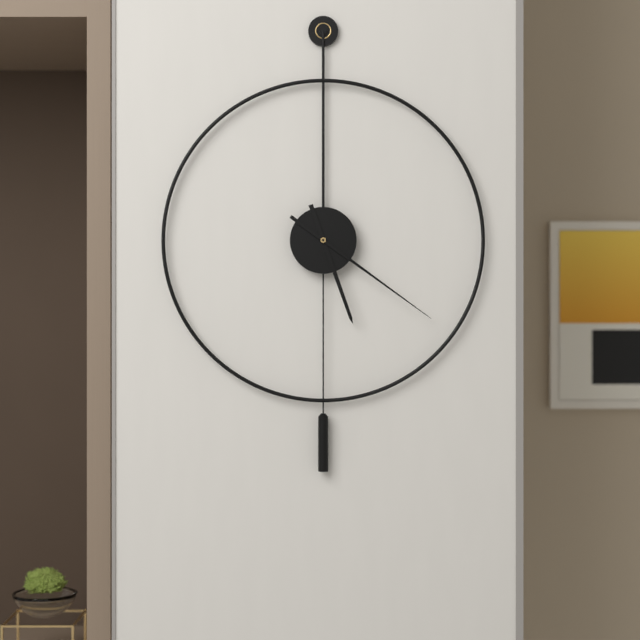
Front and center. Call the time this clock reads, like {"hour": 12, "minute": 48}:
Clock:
{"hour": 5, "minute": 21}
